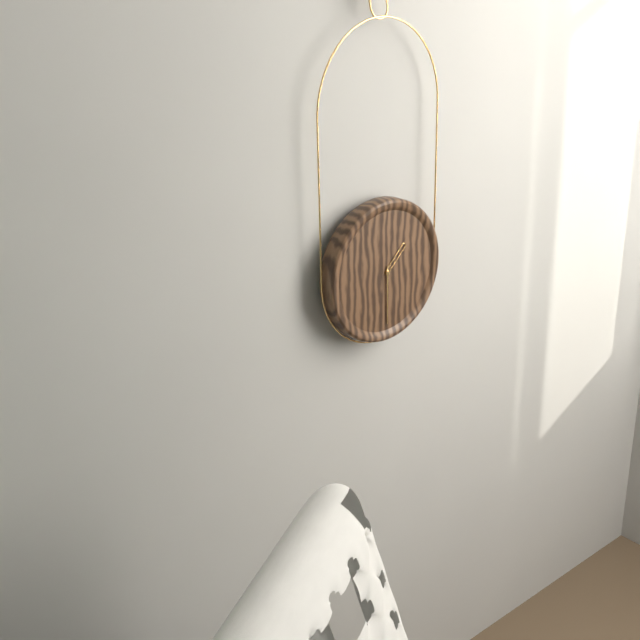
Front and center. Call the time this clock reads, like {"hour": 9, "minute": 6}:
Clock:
{"hour": 1, "minute": 30}
